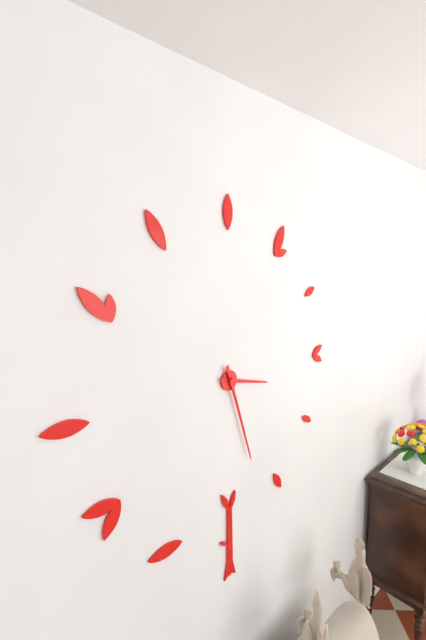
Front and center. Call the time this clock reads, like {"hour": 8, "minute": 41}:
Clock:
{"hour": 3, "minute": 27}
